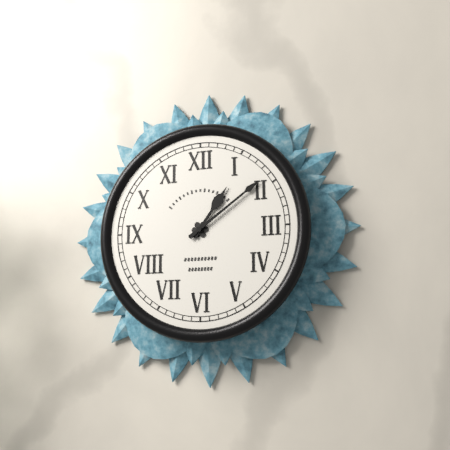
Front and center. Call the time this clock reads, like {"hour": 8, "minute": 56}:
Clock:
{"hour": 1, "minute": 9}
